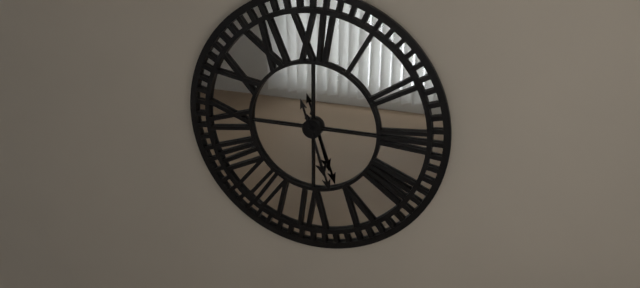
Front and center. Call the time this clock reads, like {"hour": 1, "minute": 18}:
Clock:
{"hour": 5, "minute": 27}
